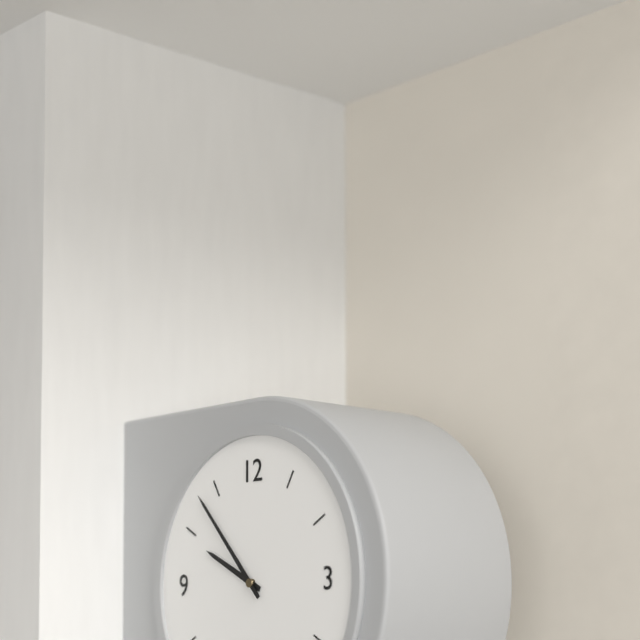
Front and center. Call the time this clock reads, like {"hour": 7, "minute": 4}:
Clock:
{"hour": 9, "minute": 53}
